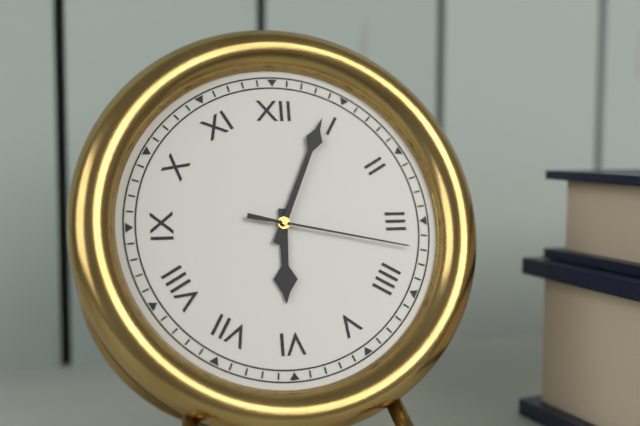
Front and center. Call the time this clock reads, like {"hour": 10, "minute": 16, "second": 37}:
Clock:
{"hour": 6, "minute": 4, "second": 17}
